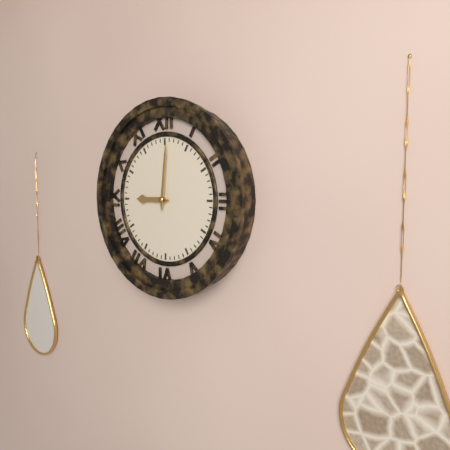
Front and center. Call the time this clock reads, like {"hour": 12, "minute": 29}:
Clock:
{"hour": 9, "minute": 1}
